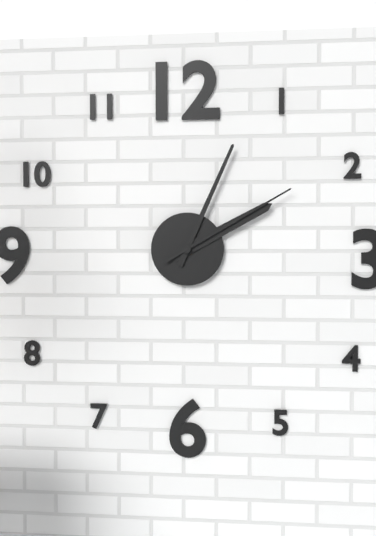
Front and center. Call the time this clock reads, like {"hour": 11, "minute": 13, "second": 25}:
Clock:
{"hour": 2, "minute": 4, "second": 10}
